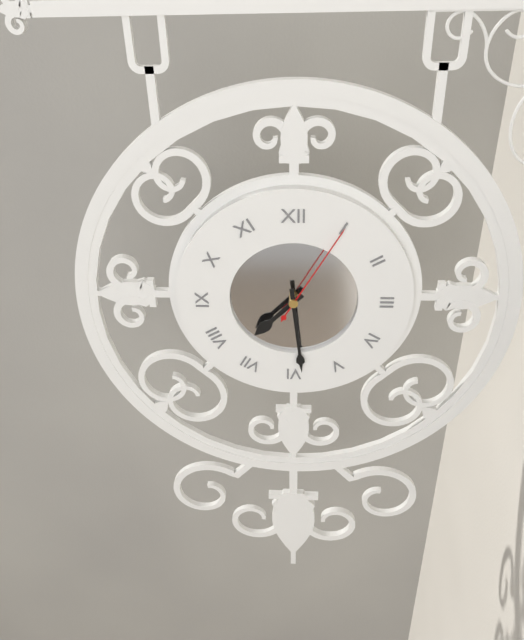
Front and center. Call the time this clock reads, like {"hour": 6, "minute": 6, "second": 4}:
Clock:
{"hour": 7, "minute": 29, "second": 5}
